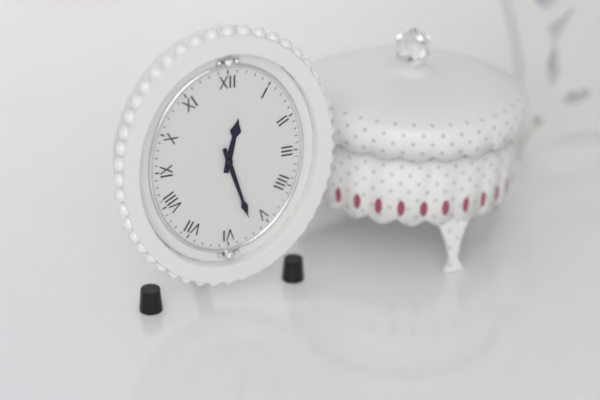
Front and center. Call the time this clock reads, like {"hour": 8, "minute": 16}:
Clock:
{"hour": 12, "minute": 27}
